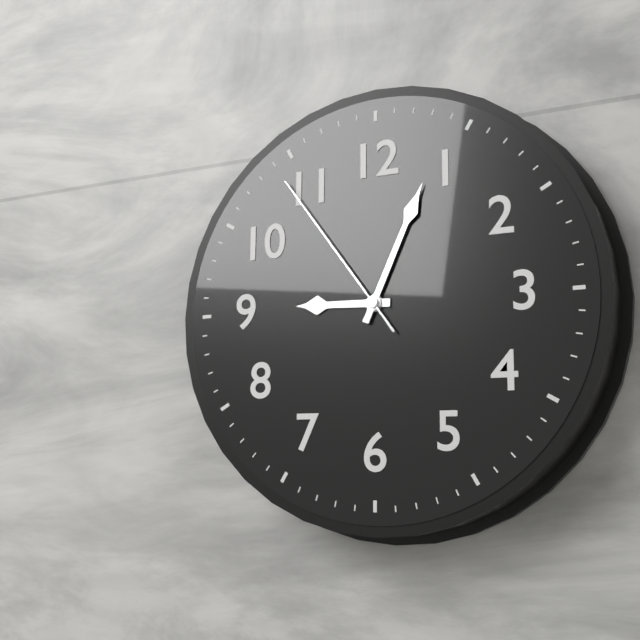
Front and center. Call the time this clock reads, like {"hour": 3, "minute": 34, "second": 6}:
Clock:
{"hour": 9, "minute": 4, "second": 54}
